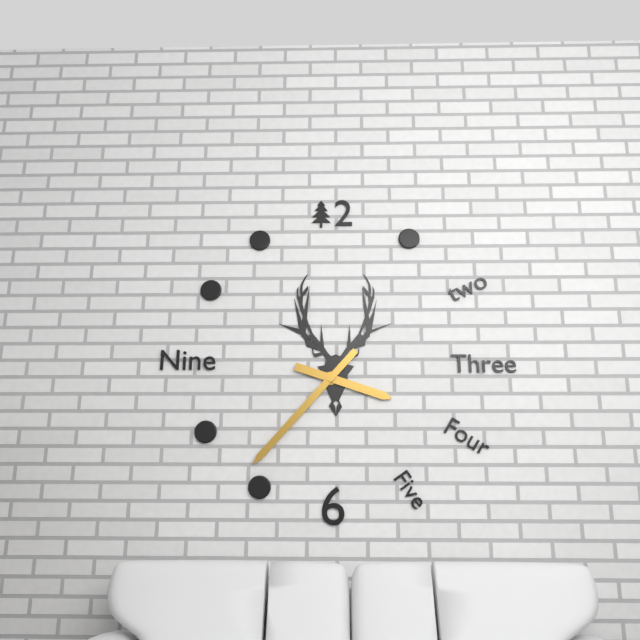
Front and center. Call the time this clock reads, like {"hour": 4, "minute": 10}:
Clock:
{"hour": 3, "minute": 37}
